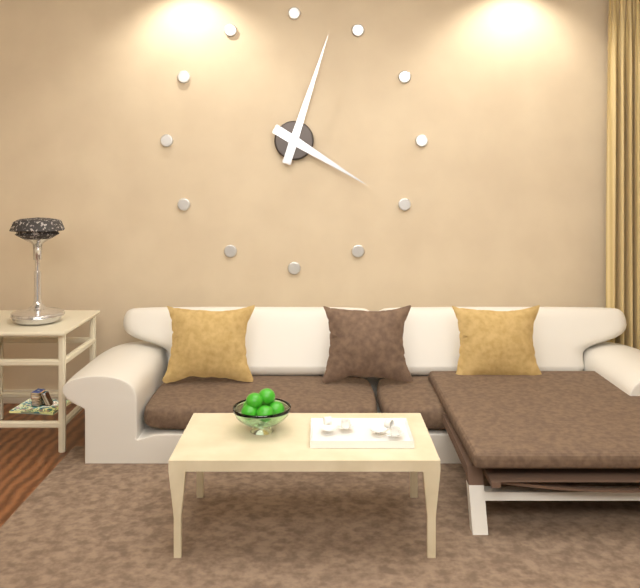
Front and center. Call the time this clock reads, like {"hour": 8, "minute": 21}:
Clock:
{"hour": 4, "minute": 3}
